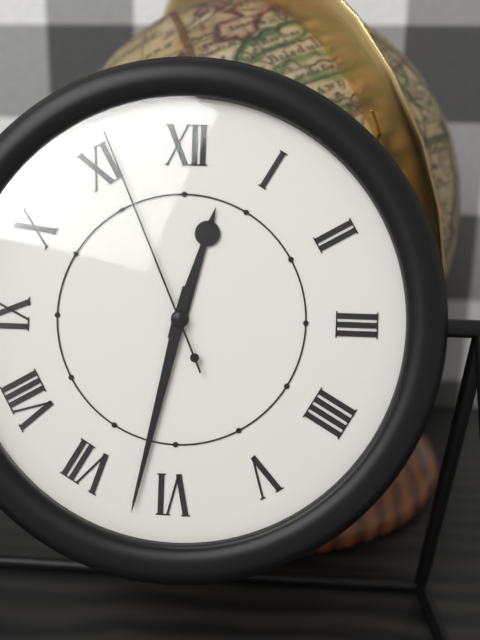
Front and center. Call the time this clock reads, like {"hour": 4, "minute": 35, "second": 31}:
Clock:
{"hour": 12, "minute": 32, "second": 56}
